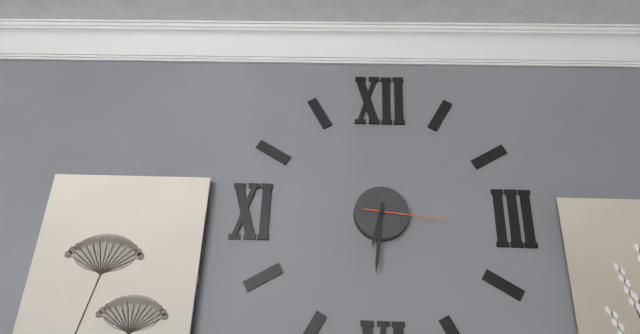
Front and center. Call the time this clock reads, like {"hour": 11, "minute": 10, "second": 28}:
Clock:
{"hour": 6, "minute": 31, "second": 16}
